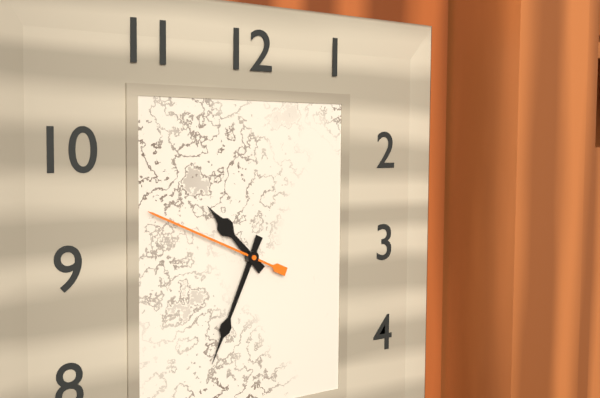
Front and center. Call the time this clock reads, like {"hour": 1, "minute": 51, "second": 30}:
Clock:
{"hour": 10, "minute": 34, "second": 49}
